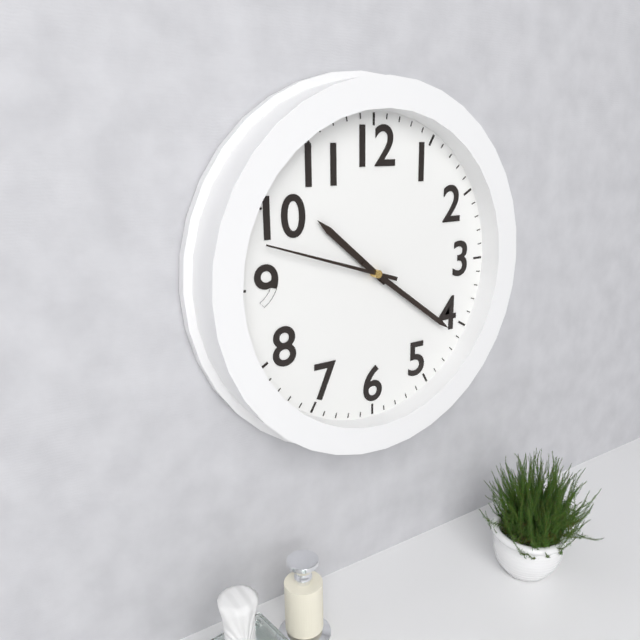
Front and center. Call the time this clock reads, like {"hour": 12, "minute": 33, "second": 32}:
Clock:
{"hour": 10, "minute": 21, "second": 48}
